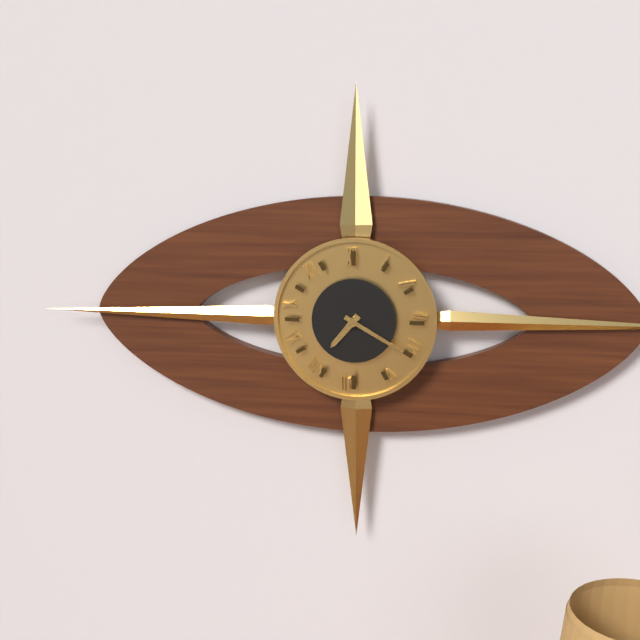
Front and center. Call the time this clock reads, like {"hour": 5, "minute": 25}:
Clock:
{"hour": 7, "minute": 20}
